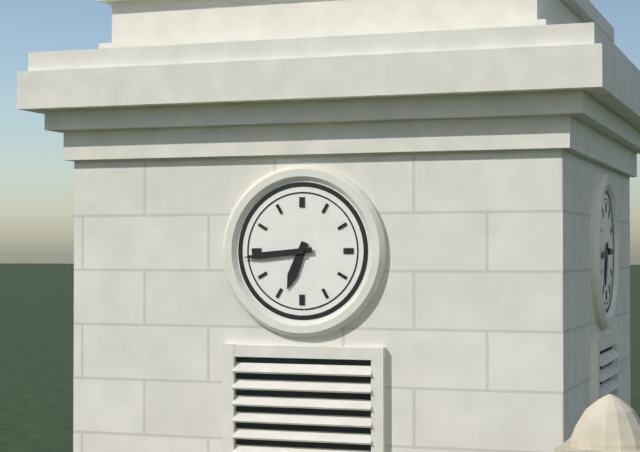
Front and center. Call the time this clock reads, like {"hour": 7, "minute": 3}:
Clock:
{"hour": 6, "minute": 44}
